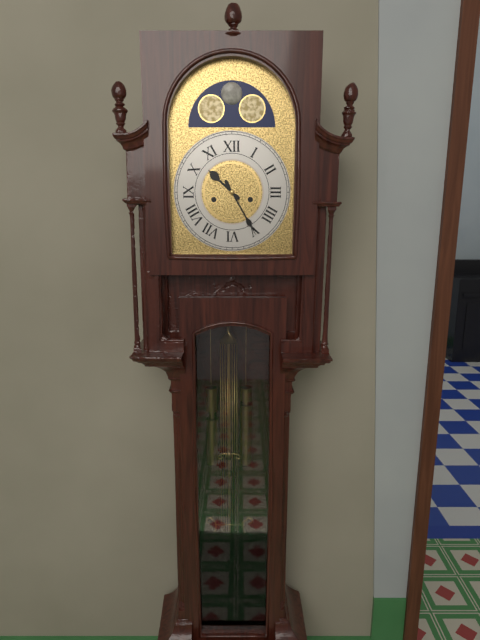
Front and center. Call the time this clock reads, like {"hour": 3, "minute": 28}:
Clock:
{"hour": 10, "minute": 25}
